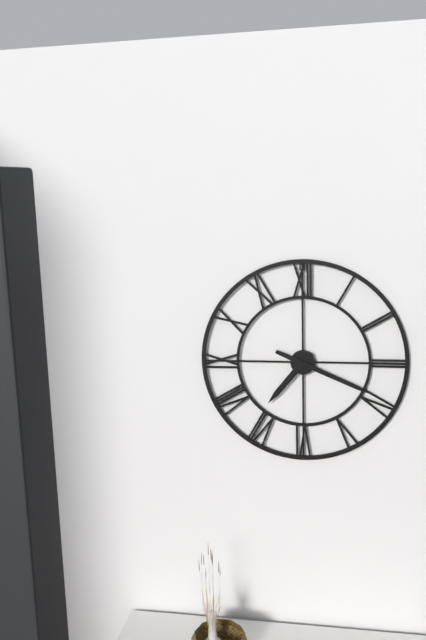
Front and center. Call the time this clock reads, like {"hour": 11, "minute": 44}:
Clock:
{"hour": 7, "minute": 19}
